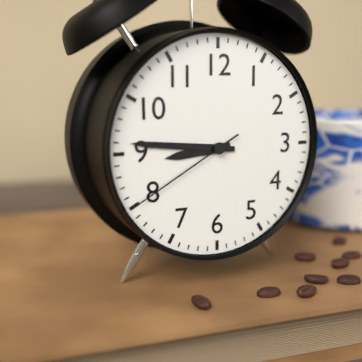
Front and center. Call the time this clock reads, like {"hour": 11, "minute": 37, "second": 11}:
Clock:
{"hour": 8, "minute": 46, "second": 40}
